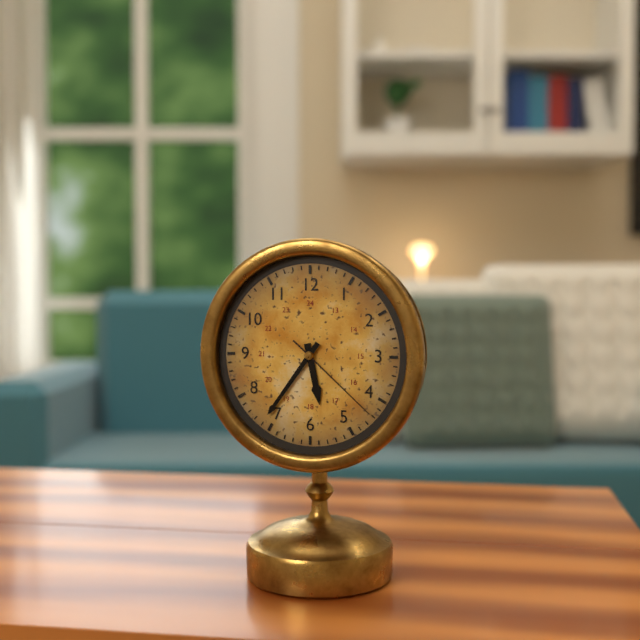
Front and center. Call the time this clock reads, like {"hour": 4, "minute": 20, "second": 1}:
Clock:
{"hour": 5, "minute": 36, "second": 22}
